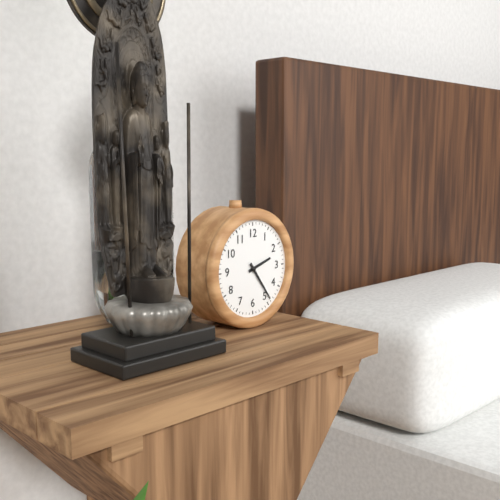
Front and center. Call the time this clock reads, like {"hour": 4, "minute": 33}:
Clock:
{"hour": 2, "minute": 24}
